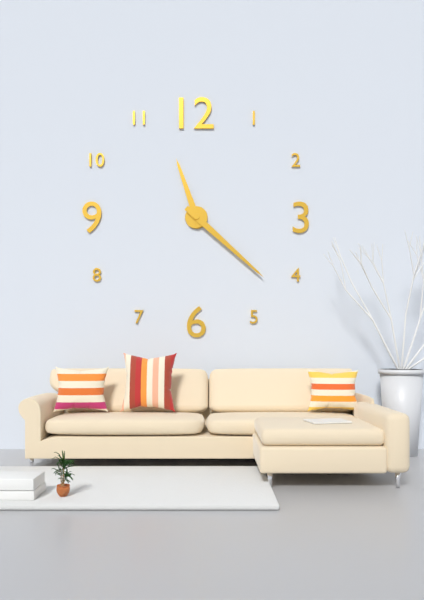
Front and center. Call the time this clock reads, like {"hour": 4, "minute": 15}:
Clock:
{"hour": 11, "minute": 22}
